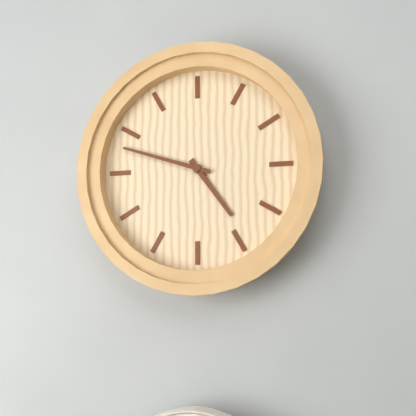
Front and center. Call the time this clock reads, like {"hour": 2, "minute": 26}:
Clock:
{"hour": 4, "minute": 48}
